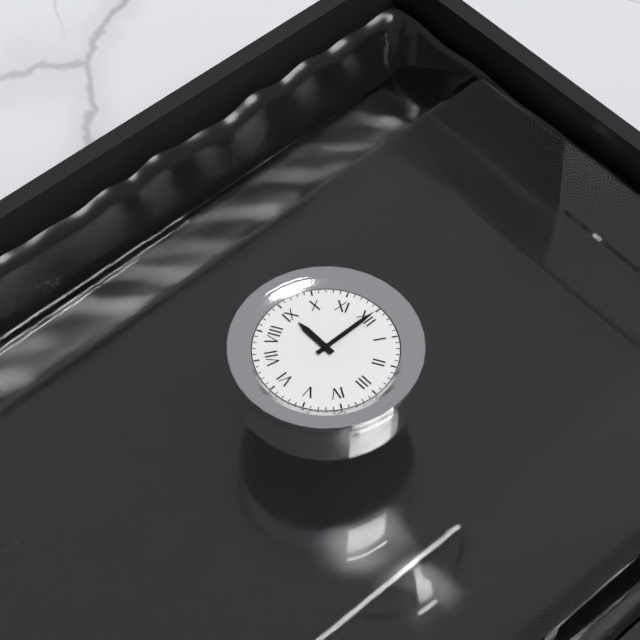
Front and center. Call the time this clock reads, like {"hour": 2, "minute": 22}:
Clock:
{"hour": 9, "minute": 0}
